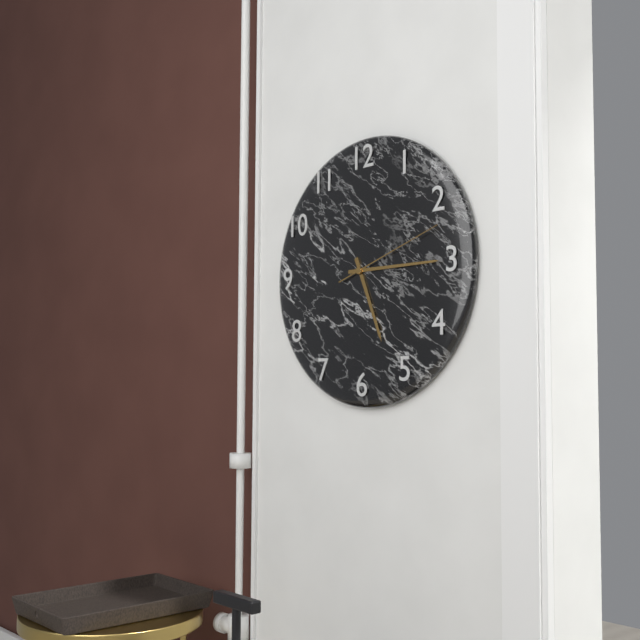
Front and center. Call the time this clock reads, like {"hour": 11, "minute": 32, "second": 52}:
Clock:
{"hour": 5, "minute": 15, "second": 12}
